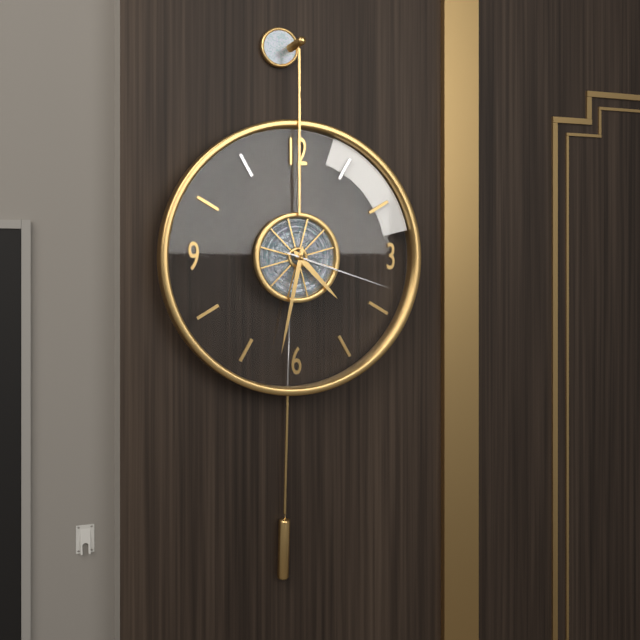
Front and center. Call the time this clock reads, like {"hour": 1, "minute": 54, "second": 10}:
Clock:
{"hour": 4, "minute": 32, "second": 18}
